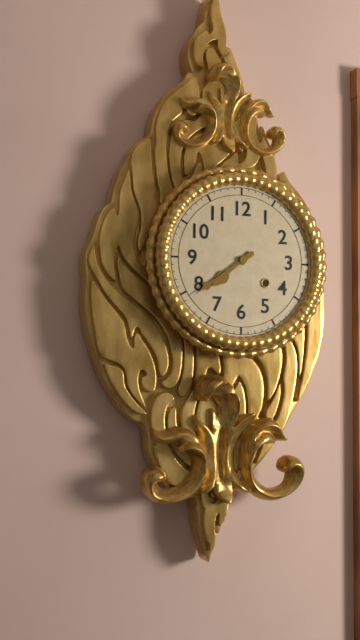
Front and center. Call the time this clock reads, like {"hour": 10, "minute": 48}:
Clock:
{"hour": 7, "minute": 39}
